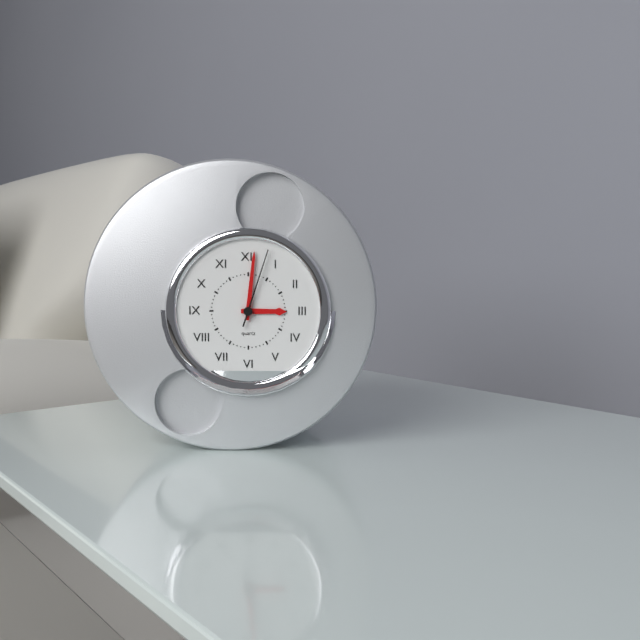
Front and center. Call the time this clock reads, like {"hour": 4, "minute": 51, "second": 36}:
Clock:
{"hour": 3, "minute": 1, "second": 3}
